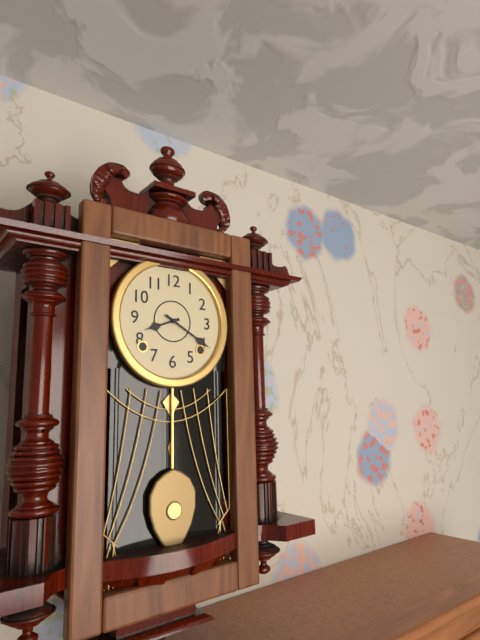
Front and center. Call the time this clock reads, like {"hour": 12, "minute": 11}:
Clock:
{"hour": 8, "minute": 20}
